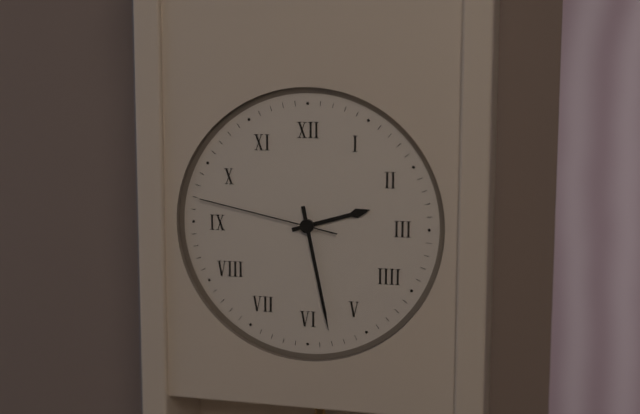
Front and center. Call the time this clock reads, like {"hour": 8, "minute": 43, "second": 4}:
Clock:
{"hour": 2, "minute": 28, "second": 47}
